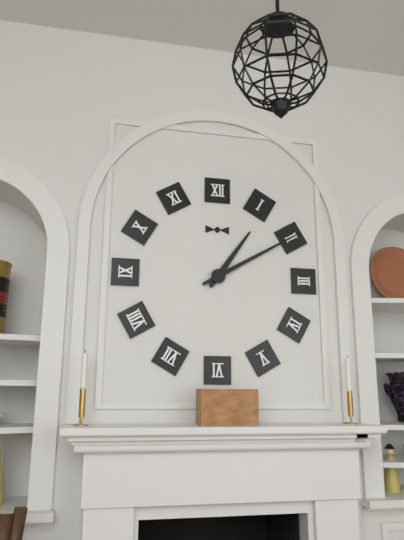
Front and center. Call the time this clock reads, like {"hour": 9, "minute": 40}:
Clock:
{"hour": 1, "minute": 10}
